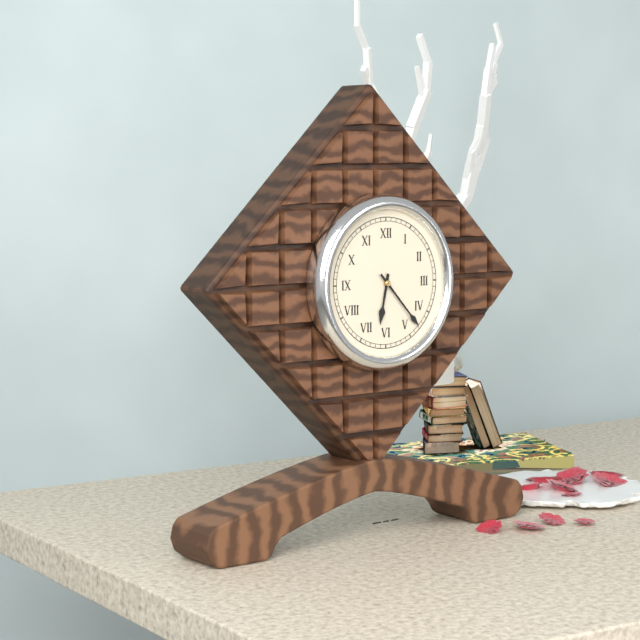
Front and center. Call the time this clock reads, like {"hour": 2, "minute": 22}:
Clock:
{"hour": 6, "minute": 23}
